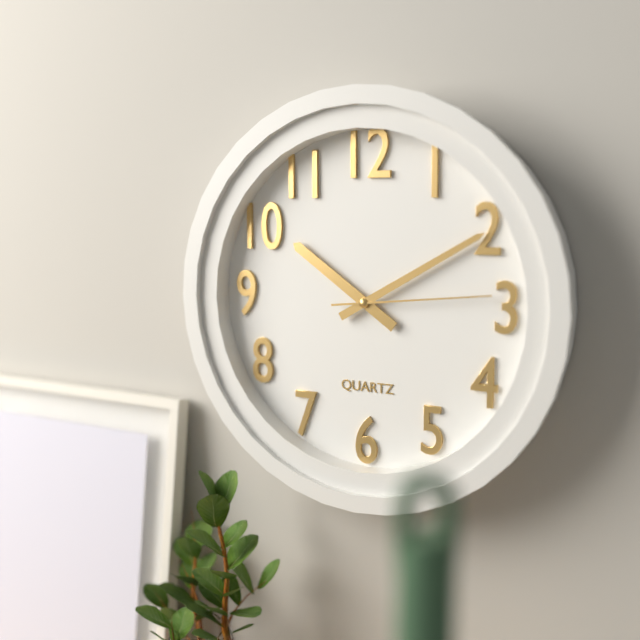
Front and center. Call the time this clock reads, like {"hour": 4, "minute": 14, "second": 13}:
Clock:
{"hour": 10, "minute": 10, "second": 14}
